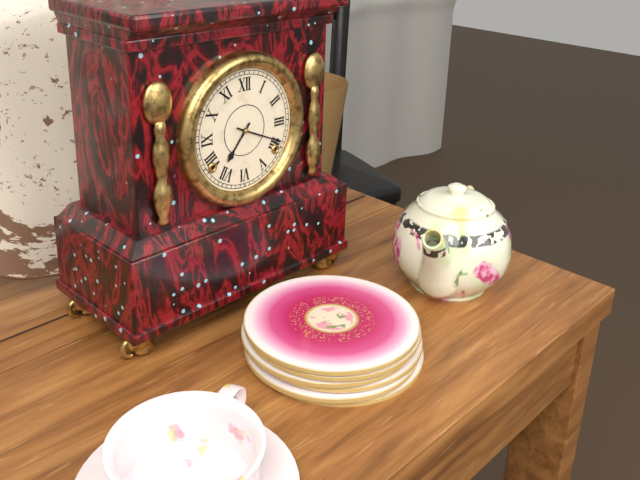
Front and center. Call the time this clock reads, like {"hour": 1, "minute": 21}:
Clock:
{"hour": 7, "minute": 19}
